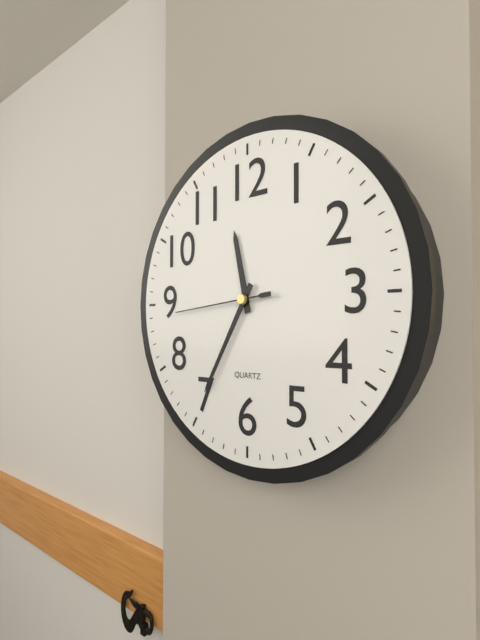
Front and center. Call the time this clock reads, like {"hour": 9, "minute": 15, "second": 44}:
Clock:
{"hour": 11, "minute": 35, "second": 44}
